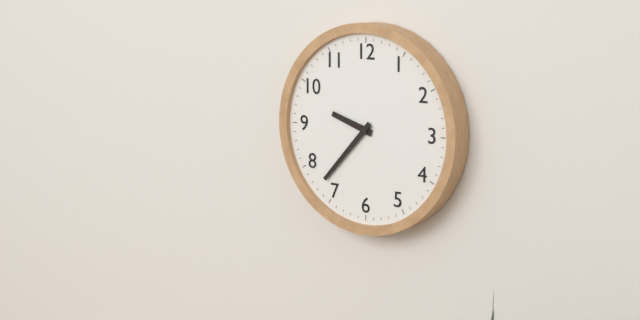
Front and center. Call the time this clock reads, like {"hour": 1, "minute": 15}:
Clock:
{"hour": 9, "minute": 37}
